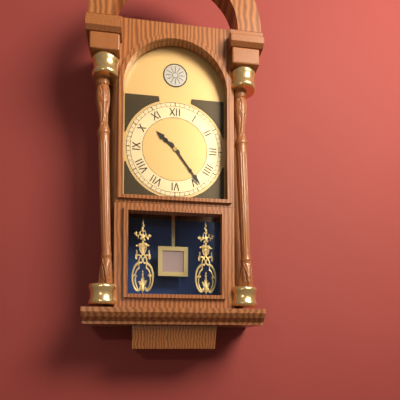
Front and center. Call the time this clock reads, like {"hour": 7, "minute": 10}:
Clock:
{"hour": 10, "minute": 24}
